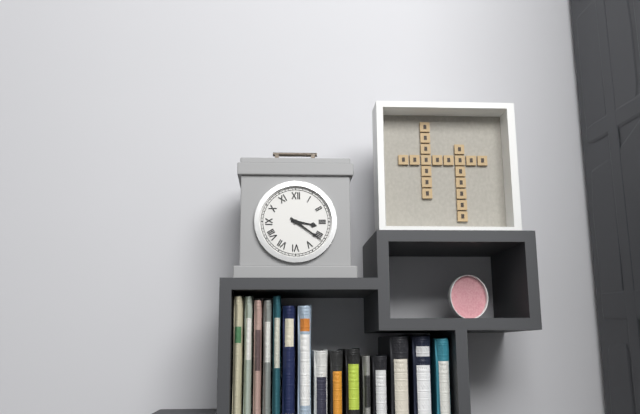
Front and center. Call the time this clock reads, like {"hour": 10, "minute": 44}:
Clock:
{"hour": 3, "minute": 21}
